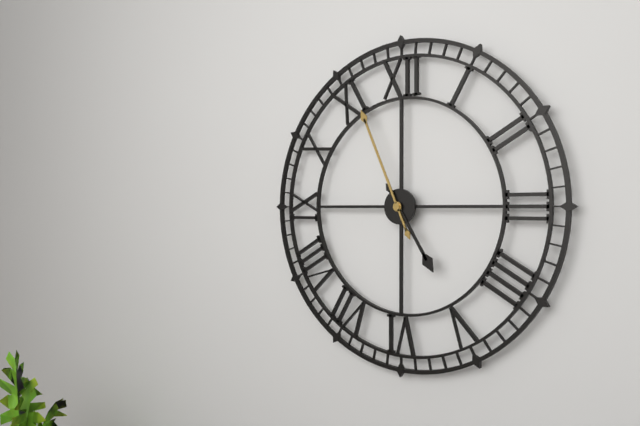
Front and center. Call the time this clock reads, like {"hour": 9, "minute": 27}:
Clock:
{"hour": 4, "minute": 56}
